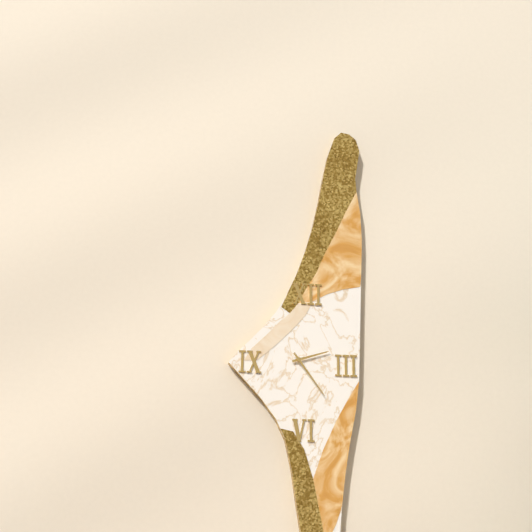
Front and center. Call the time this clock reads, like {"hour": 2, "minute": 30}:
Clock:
{"hour": 2, "minute": 24}
